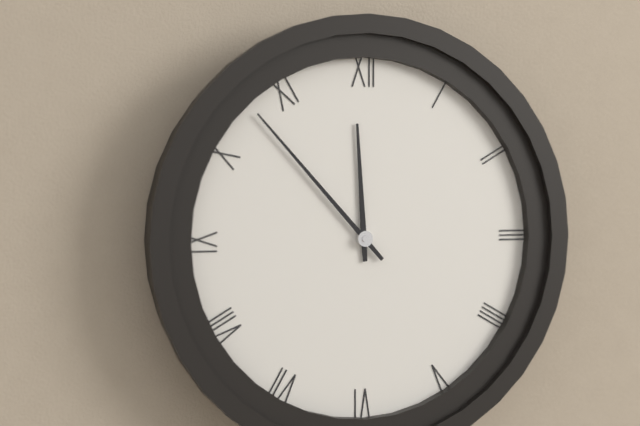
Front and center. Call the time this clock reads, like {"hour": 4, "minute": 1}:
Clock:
{"hour": 11, "minute": 53}
